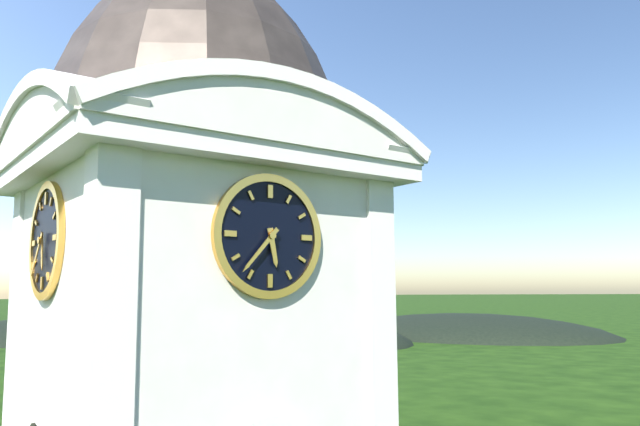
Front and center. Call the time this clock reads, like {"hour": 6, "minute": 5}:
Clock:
{"hour": 5, "minute": 37}
